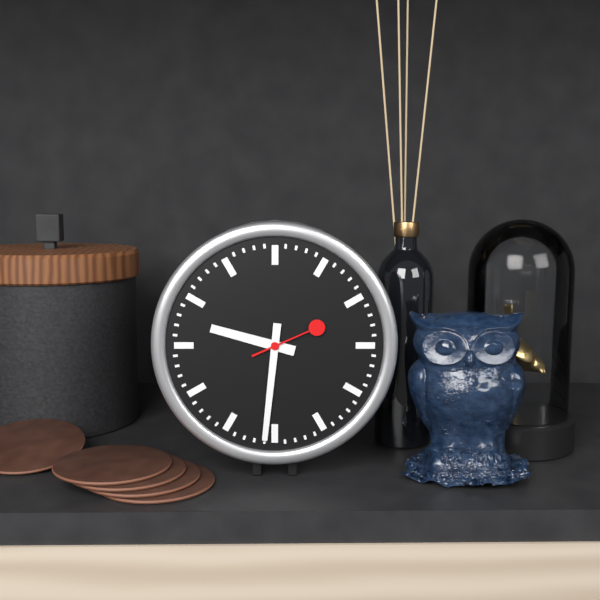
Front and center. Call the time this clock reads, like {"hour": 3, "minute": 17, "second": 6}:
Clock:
{"hour": 9, "minute": 31, "second": 11}
